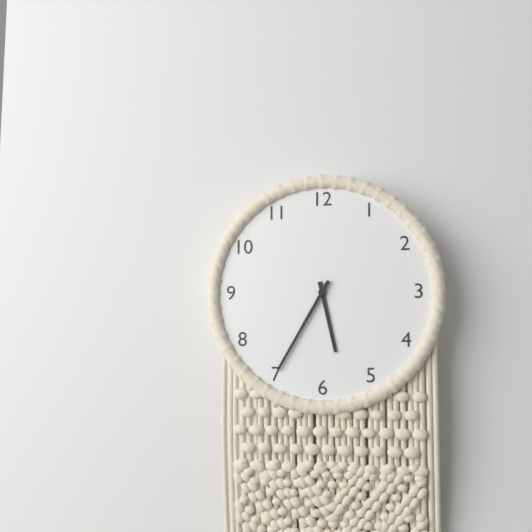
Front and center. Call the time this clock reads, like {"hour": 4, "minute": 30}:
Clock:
{"hour": 5, "minute": 35}
